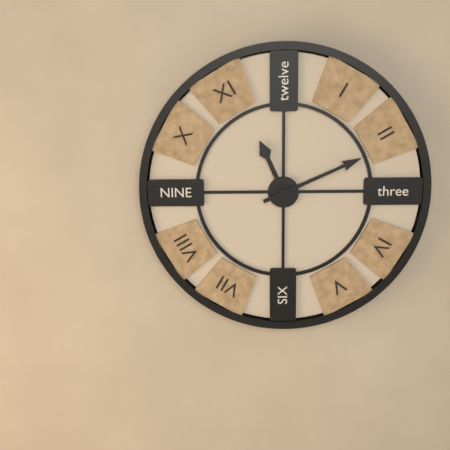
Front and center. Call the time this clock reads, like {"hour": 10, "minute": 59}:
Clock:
{"hour": 11, "minute": 11}
